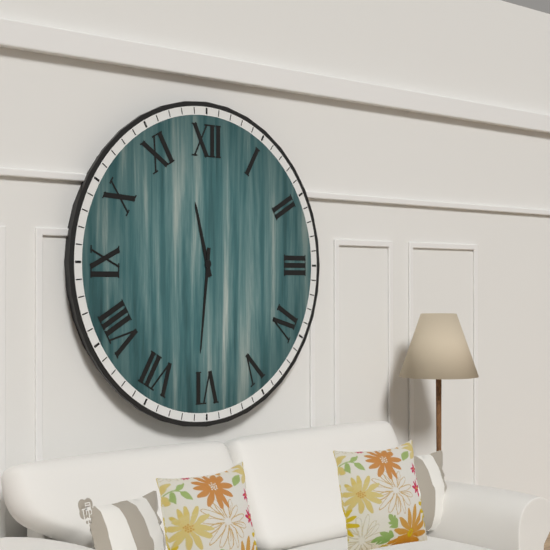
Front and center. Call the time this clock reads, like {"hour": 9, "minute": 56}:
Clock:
{"hour": 11, "minute": 31}
